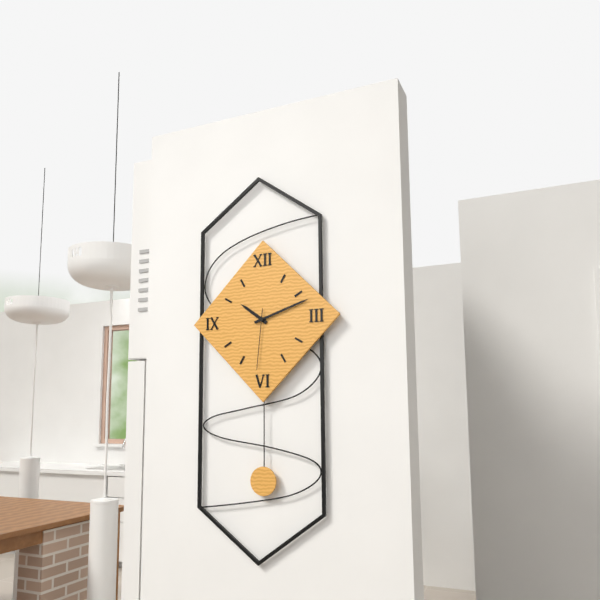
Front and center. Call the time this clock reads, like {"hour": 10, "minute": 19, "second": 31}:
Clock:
{"hour": 10, "minute": 12, "second": 31}
